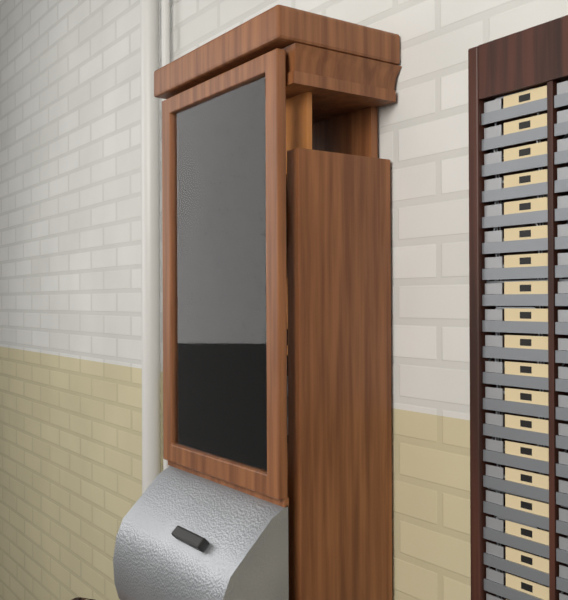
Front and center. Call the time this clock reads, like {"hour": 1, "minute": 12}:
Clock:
{"hour": 3, "minute": 59}
